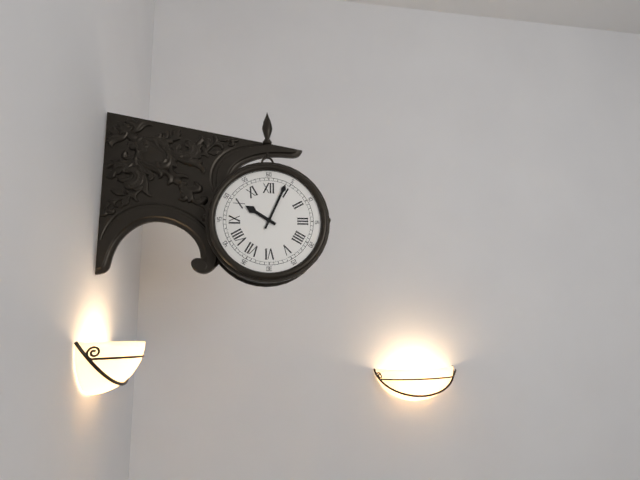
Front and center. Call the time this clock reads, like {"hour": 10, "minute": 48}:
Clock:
{"hour": 10, "minute": 4}
